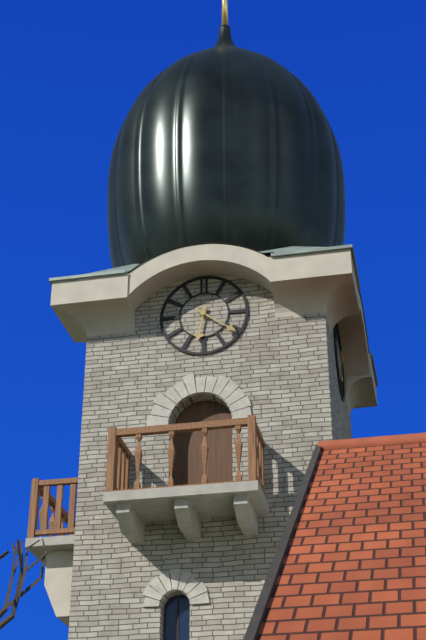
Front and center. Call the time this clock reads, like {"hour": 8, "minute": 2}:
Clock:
{"hour": 6, "minute": 21}
